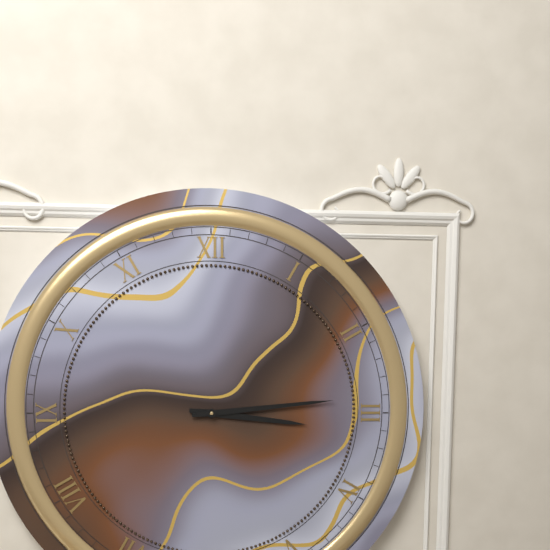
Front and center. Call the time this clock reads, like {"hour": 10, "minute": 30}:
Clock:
{"hour": 3, "minute": 14}
